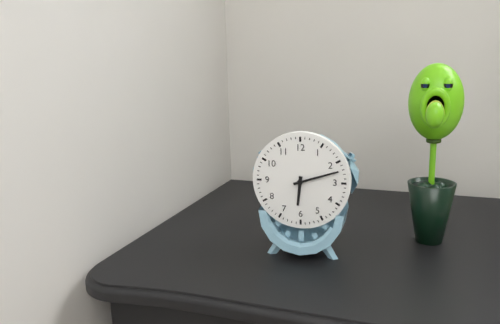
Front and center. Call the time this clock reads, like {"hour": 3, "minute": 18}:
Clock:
{"hour": 6, "minute": 12}
